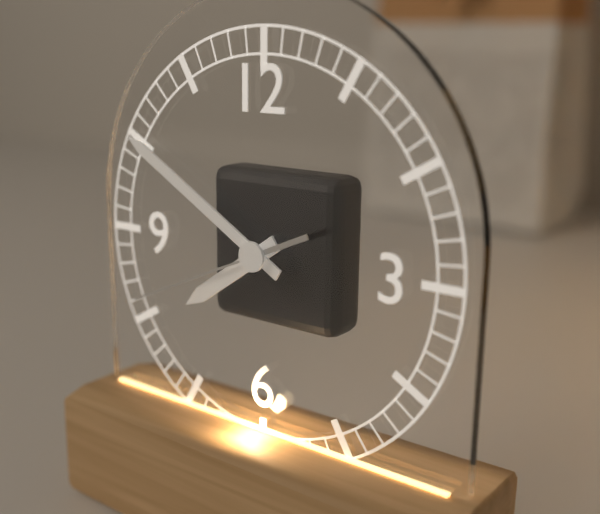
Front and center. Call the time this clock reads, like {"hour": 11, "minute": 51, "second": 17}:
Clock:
{"hour": 7, "minute": 50, "second": 41}
